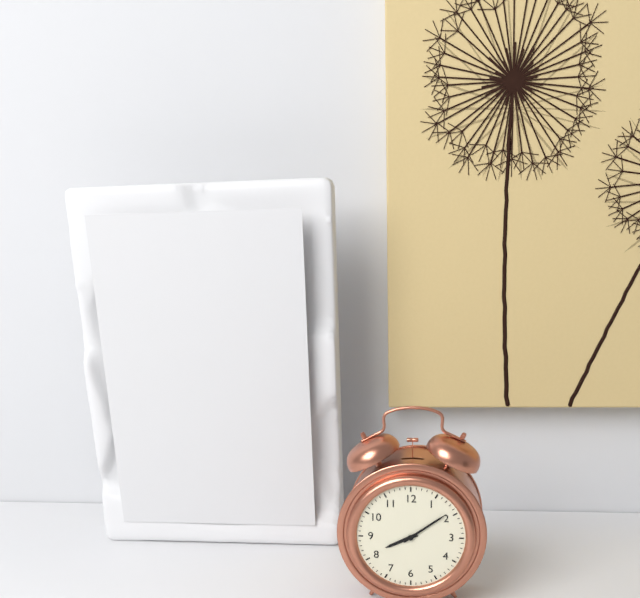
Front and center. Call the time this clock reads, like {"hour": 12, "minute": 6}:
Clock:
{"hour": 8, "minute": 9}
